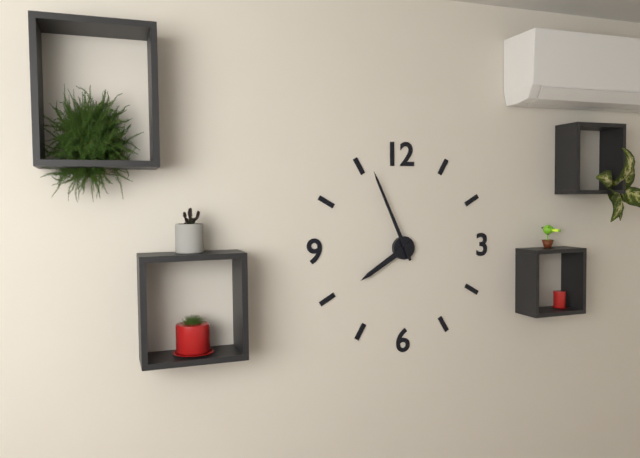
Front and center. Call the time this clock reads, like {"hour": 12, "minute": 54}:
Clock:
{"hour": 7, "minute": 56}
